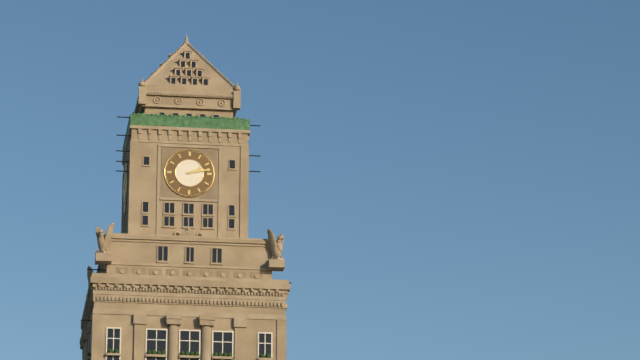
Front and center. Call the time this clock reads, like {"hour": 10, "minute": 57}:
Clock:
{"hour": 2, "minute": 13}
